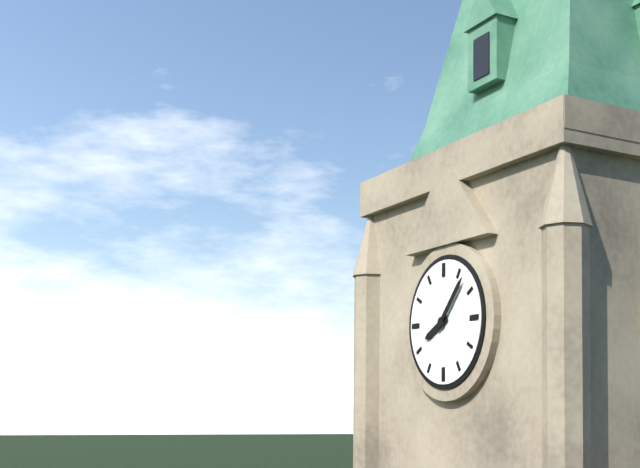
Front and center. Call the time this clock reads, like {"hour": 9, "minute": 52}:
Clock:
{"hour": 8, "minute": 7}
